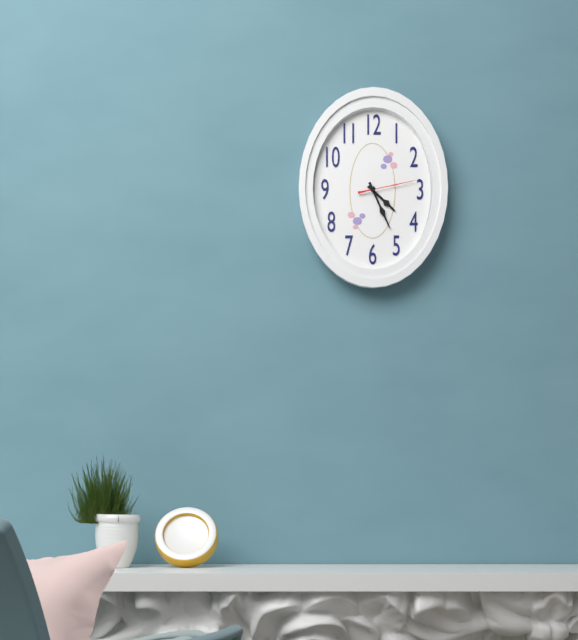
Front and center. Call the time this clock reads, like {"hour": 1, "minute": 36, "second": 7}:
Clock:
{"hour": 4, "minute": 26, "second": 13}
